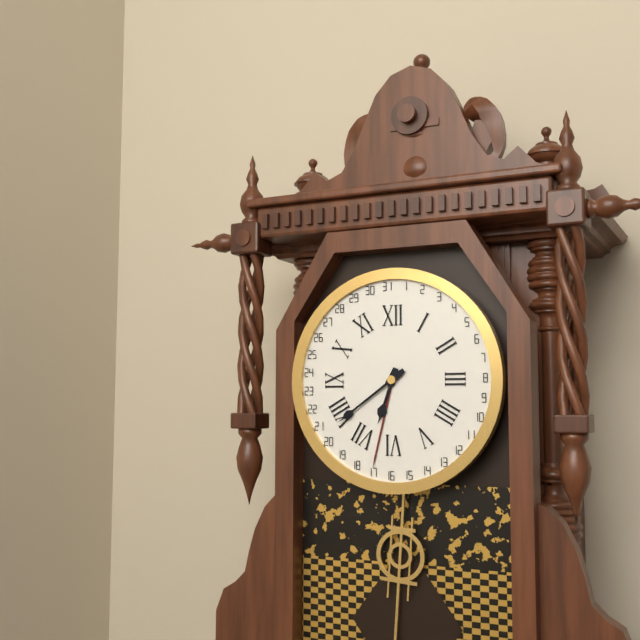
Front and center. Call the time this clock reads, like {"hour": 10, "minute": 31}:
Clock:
{"hour": 6, "minute": 39}
